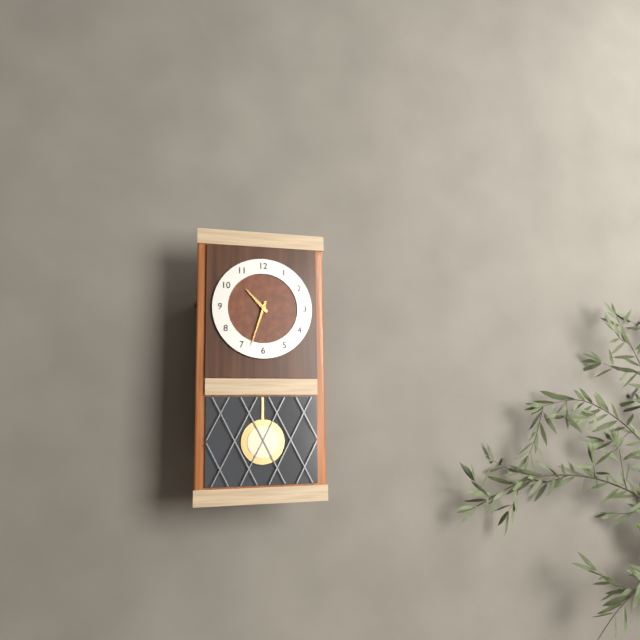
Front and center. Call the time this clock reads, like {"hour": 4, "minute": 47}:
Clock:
{"hour": 10, "minute": 33}
